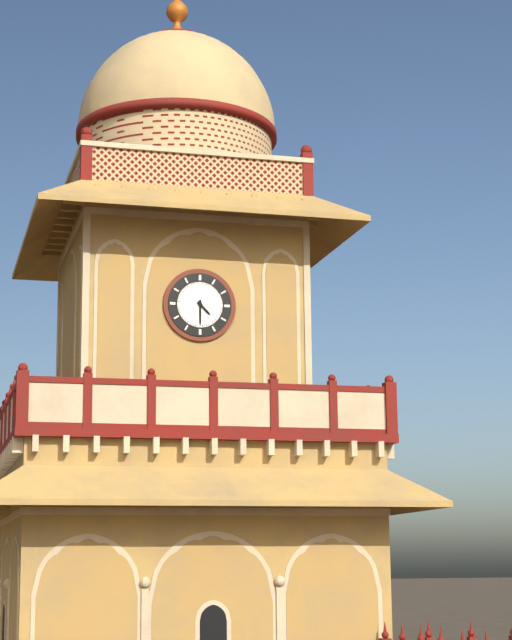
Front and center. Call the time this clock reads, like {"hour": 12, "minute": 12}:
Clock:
{"hour": 4, "minute": 30}
